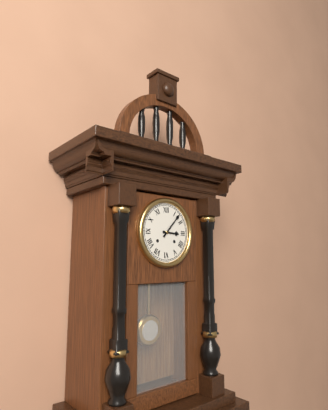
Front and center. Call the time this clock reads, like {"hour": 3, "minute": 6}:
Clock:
{"hour": 3, "minute": 7}
